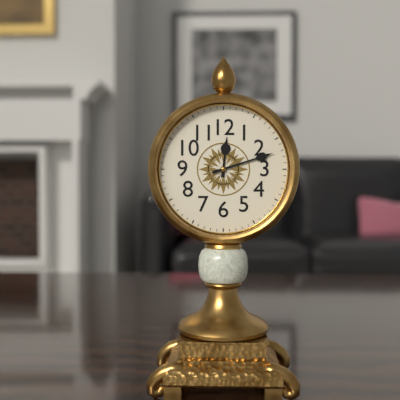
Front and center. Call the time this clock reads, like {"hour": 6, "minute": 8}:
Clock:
{"hour": 12, "minute": 12}
